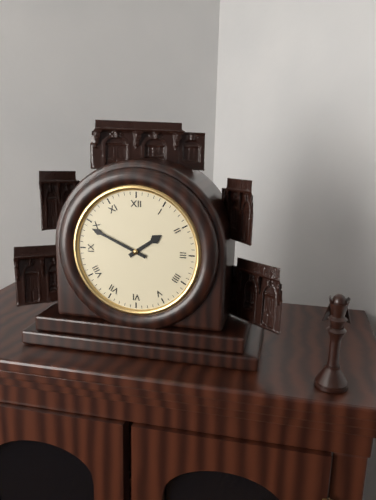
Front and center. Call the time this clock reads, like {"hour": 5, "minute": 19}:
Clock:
{"hour": 1, "minute": 49}
